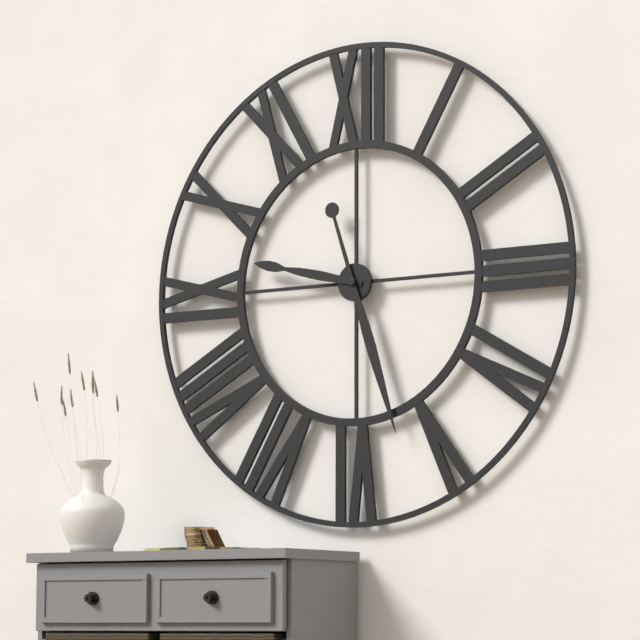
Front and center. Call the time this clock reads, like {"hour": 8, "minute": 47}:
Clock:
{"hour": 9, "minute": 27}
